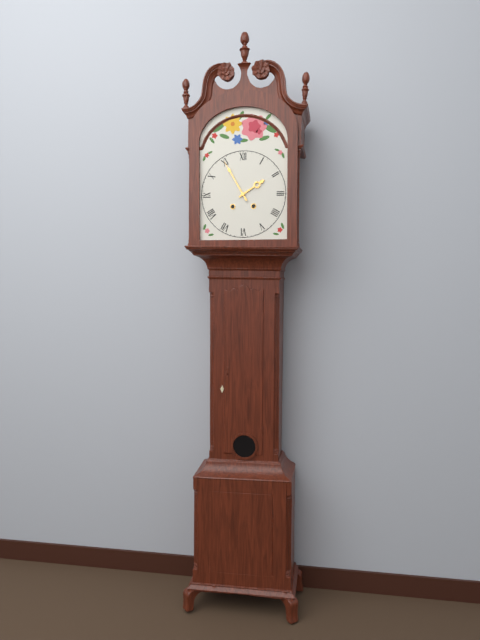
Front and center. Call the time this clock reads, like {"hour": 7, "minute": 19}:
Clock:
{"hour": 1, "minute": 55}
